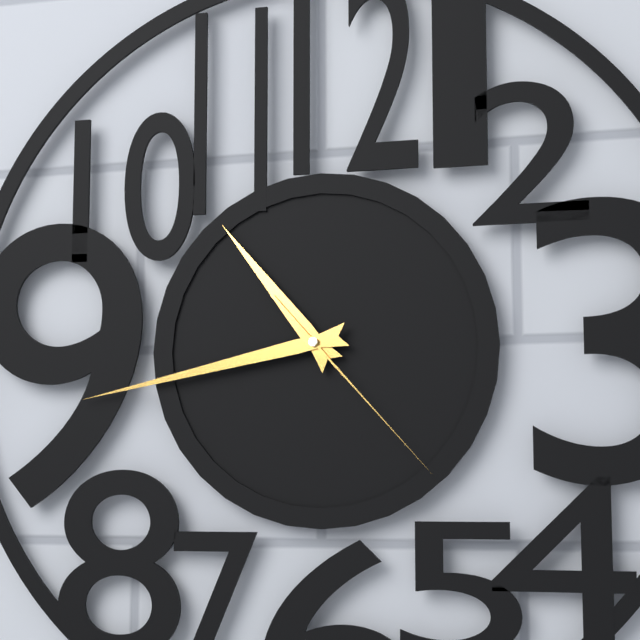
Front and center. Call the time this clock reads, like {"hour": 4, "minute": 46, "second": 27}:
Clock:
{"hour": 10, "minute": 43, "second": 23}
